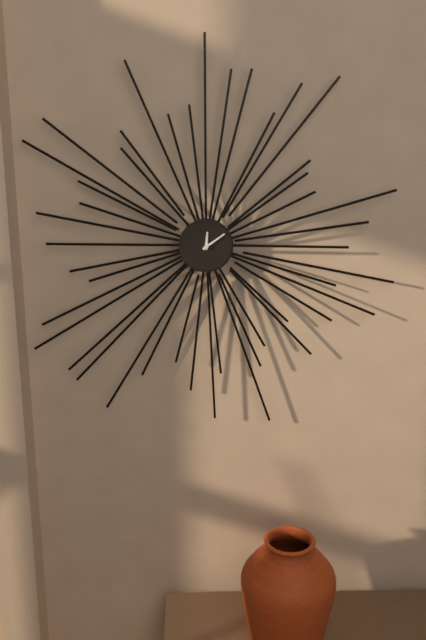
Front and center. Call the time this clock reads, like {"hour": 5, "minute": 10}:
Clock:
{"hour": 12, "minute": 9}
